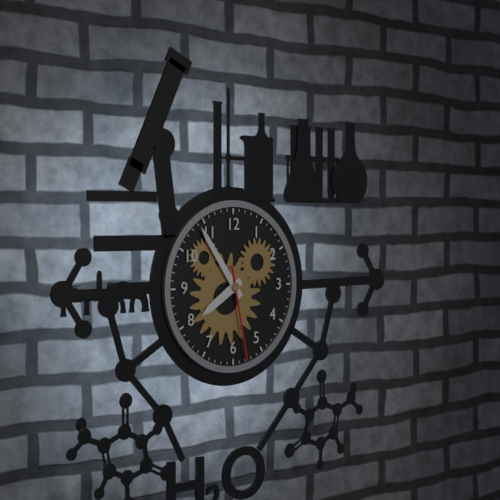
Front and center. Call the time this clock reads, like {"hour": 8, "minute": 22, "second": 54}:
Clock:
{"hour": 7, "minute": 54, "second": 28}
